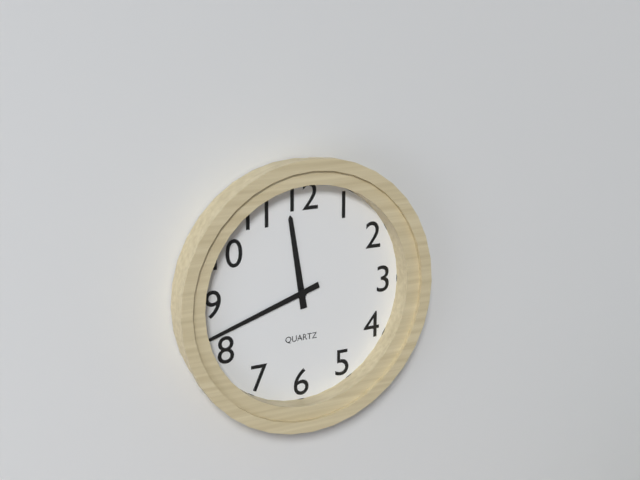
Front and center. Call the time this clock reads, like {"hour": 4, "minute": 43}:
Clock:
{"hour": 11, "minute": 42}
